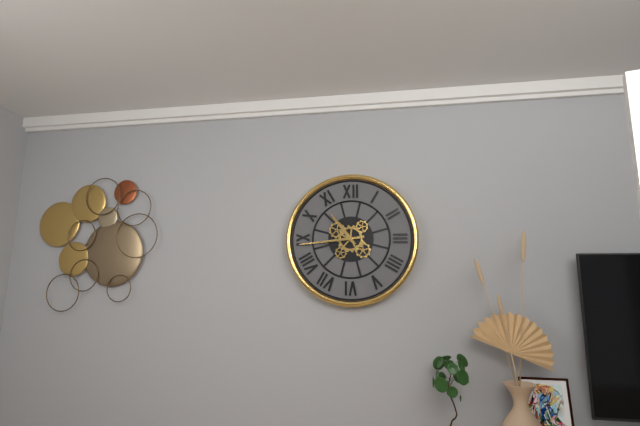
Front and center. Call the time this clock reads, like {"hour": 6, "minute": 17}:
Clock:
{"hour": 10, "minute": 44}
